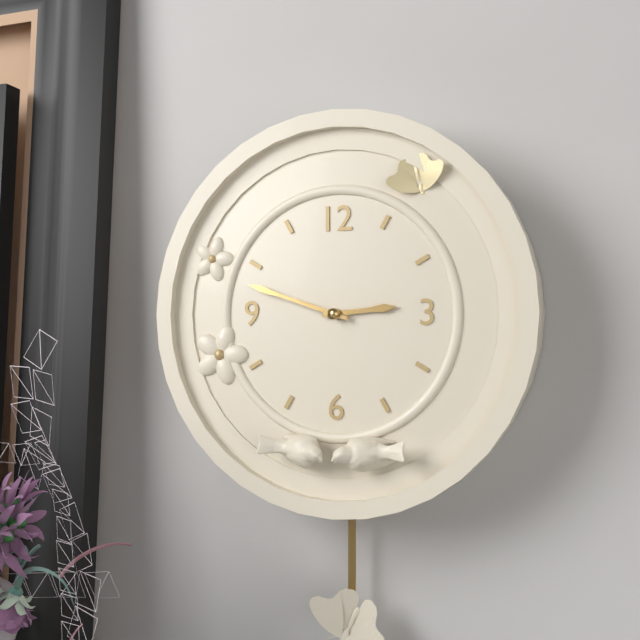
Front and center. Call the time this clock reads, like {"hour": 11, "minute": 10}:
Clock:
{"hour": 2, "minute": 48}
